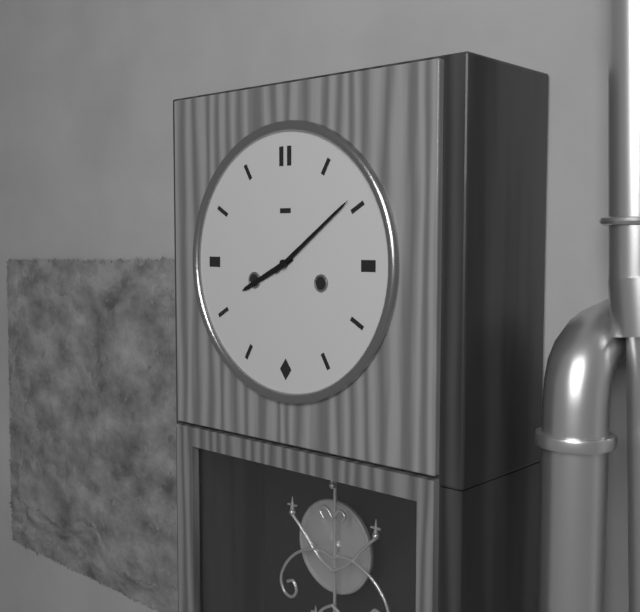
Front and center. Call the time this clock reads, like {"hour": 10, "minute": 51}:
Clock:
{"hour": 8, "minute": 9}
